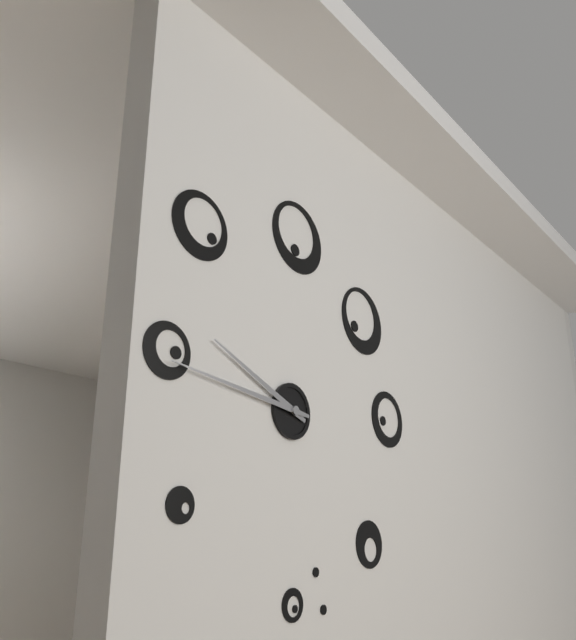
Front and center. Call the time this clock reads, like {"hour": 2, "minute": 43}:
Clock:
{"hour": 9, "minute": 46}
